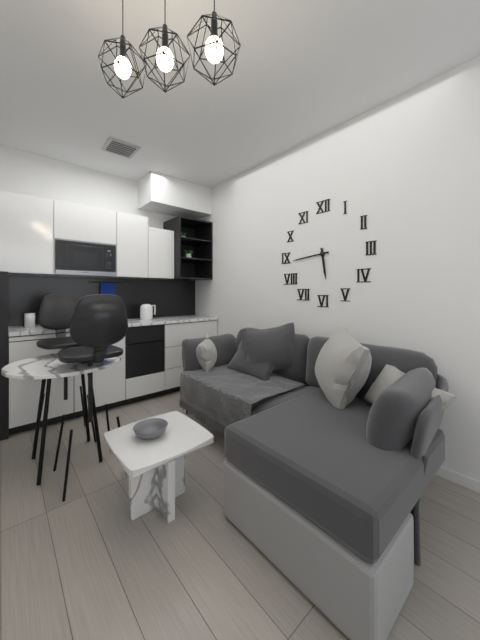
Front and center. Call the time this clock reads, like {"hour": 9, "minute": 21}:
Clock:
{"hour": 5, "minute": 44}
